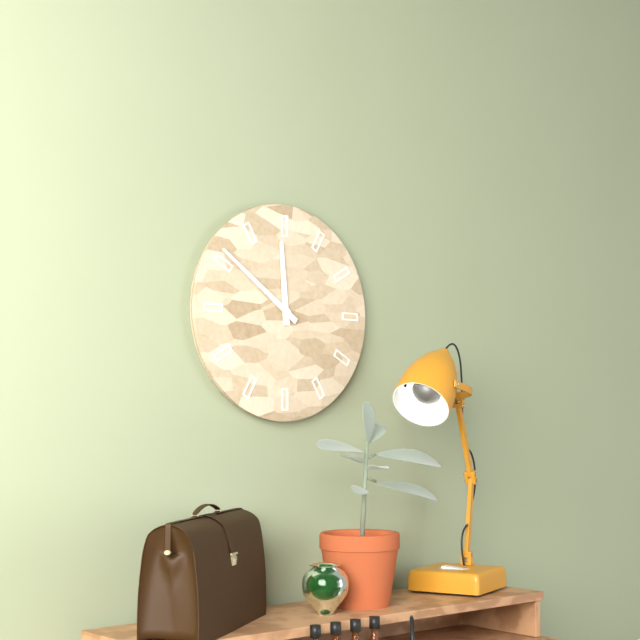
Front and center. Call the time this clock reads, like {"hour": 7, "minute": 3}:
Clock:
{"hour": 11, "minute": 51}
